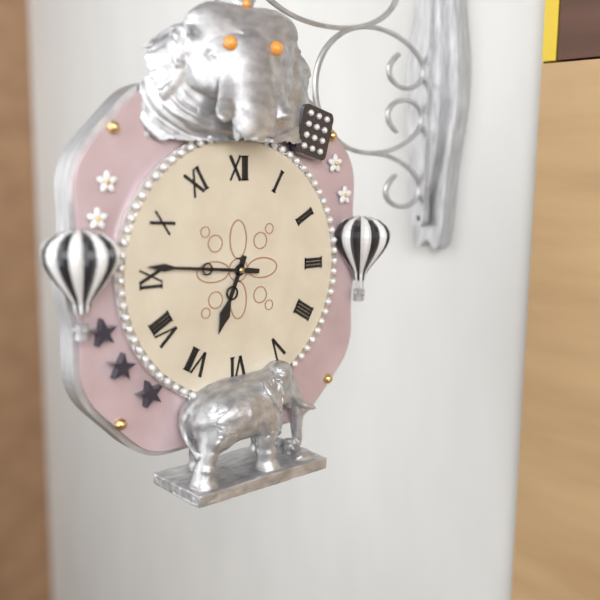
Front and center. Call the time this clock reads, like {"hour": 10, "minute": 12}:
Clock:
{"hour": 6, "minute": 46}
